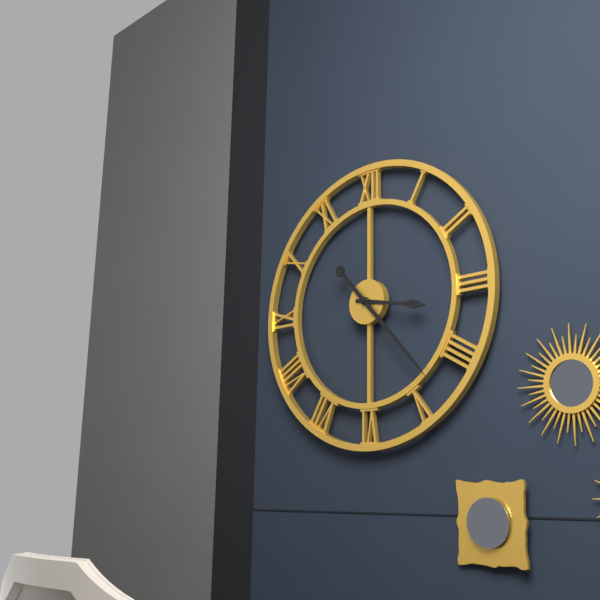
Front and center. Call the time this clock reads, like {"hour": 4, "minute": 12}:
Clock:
{"hour": 3, "minute": 23}
